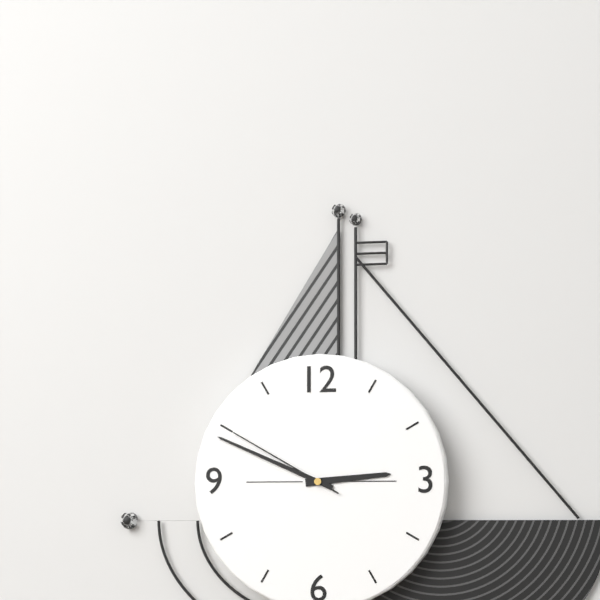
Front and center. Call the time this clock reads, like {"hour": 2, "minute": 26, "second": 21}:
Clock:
{"hour": 2, "minute": 49, "second": 50}
